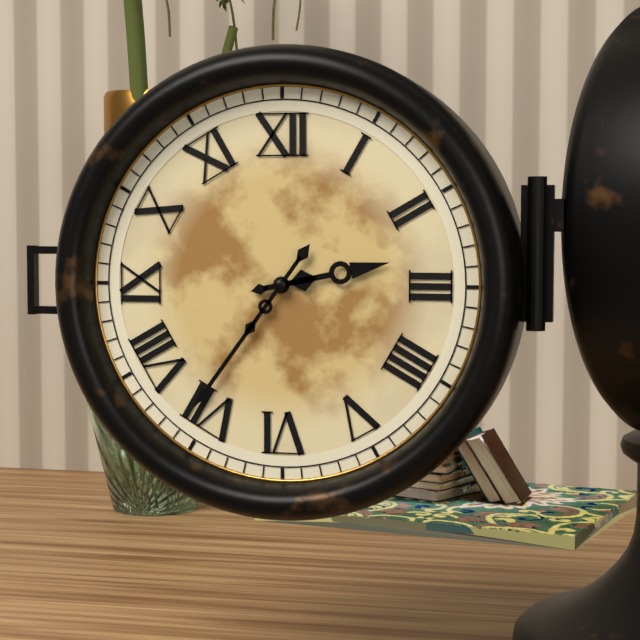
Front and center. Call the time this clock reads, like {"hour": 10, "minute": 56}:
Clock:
{"hour": 2, "minute": 36}
